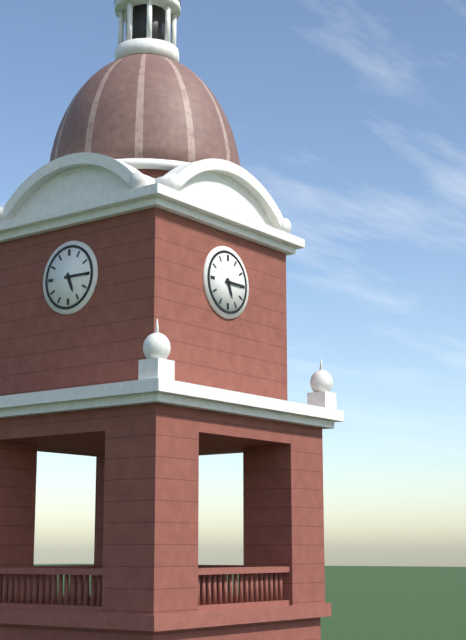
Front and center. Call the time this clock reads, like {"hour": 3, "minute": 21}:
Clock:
{"hour": 5, "minute": 15}
